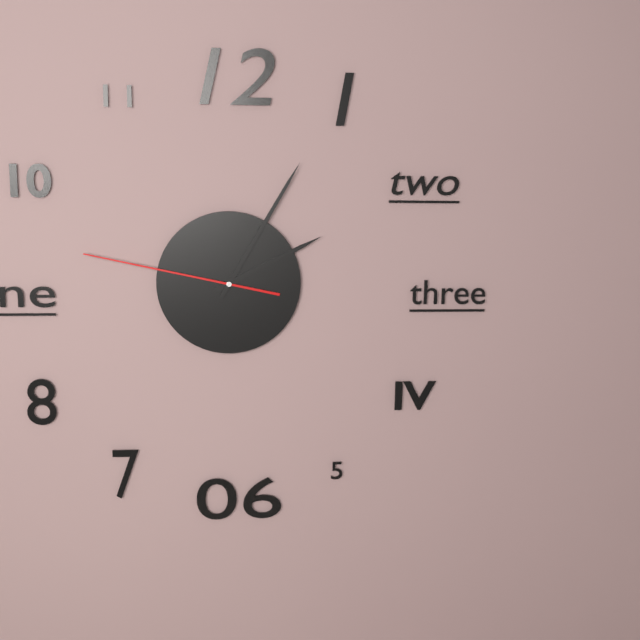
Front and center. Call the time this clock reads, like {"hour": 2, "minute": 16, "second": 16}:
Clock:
{"hour": 2, "minute": 5, "second": 47}
